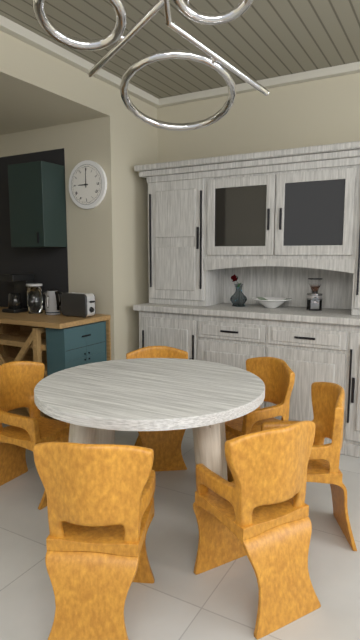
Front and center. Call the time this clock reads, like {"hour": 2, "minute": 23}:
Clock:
{"hour": 9, "minute": 0}
